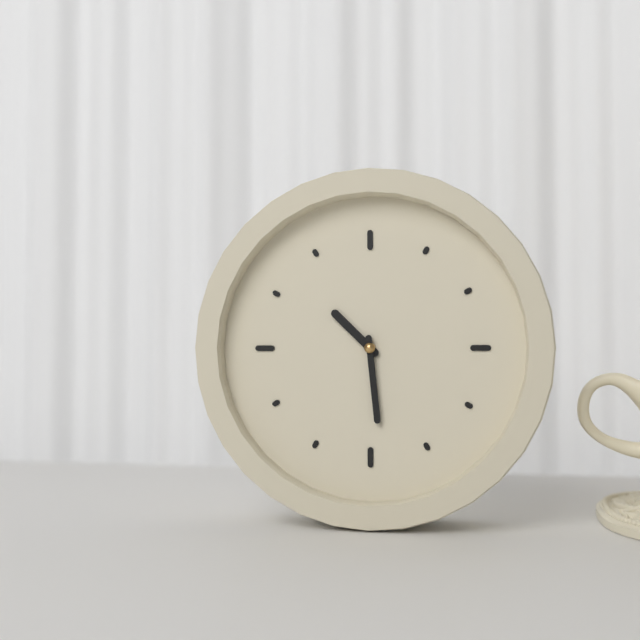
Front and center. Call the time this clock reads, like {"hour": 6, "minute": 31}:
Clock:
{"hour": 10, "minute": 29}
